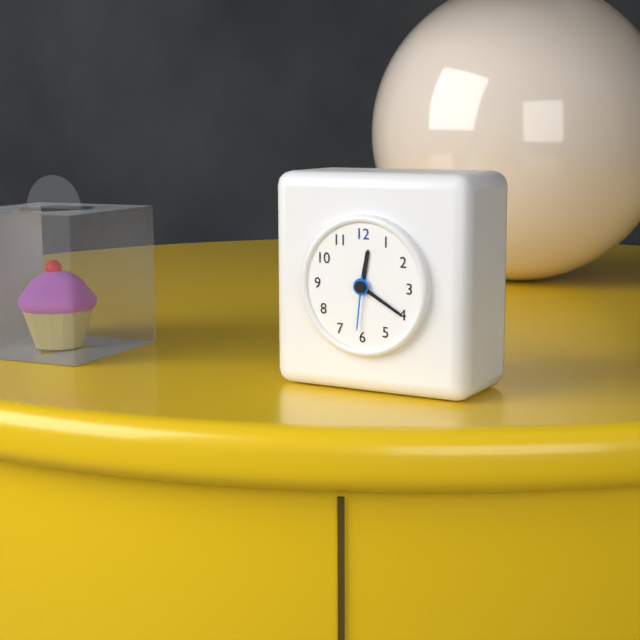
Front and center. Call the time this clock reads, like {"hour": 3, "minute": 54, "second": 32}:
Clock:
{"hour": 12, "minute": 20, "second": 31}
